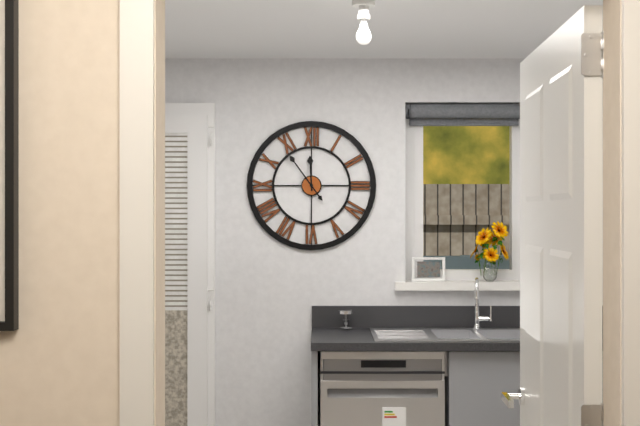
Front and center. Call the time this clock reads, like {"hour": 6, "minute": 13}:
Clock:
{"hour": 11, "minute": 54}
